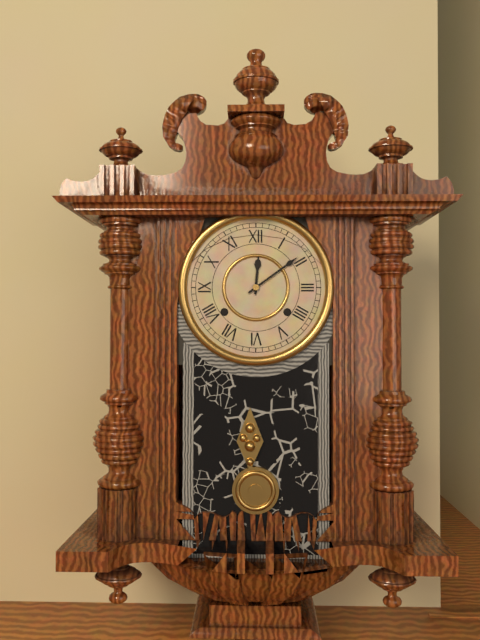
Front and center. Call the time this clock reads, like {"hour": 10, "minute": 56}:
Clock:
{"hour": 12, "minute": 9}
